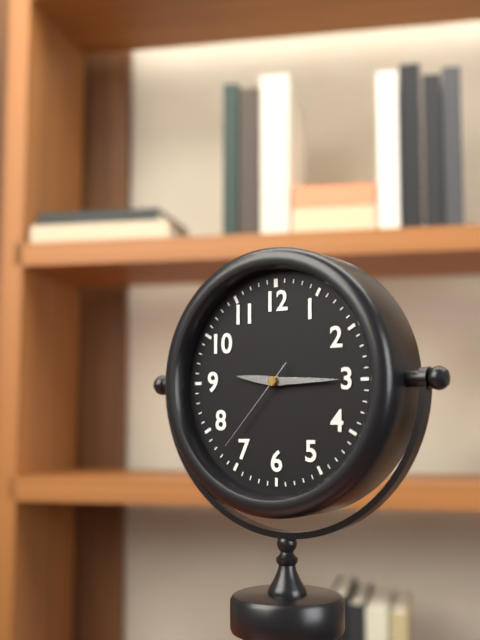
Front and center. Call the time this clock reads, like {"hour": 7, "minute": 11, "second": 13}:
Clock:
{"hour": 9, "minute": 15, "second": 37}
